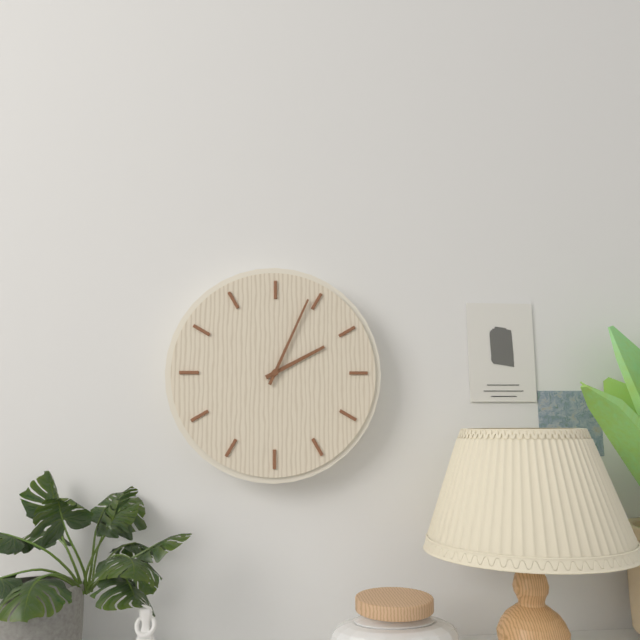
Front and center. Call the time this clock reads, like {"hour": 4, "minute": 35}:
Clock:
{"hour": 2, "minute": 4}
